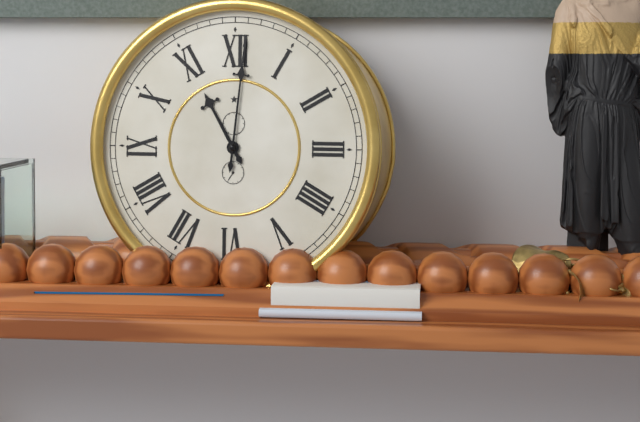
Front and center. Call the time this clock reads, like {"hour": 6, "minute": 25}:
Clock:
{"hour": 11, "minute": 1}
